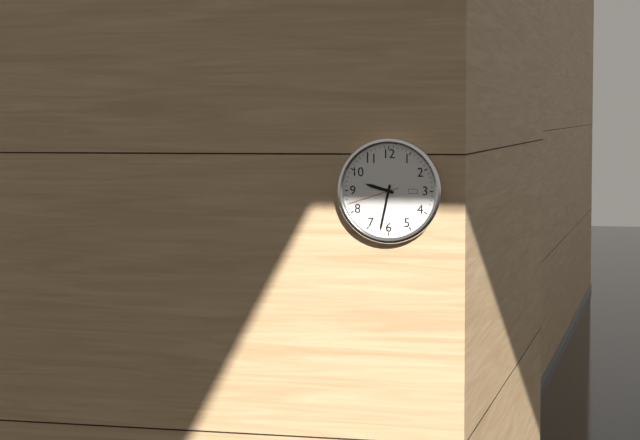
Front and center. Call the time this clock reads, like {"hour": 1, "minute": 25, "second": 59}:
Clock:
{"hour": 9, "minute": 32, "second": 42}
